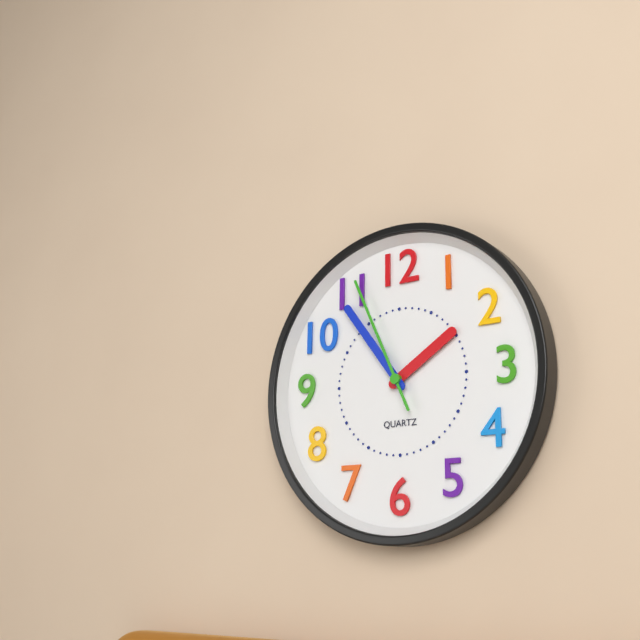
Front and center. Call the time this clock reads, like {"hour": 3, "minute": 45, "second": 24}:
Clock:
{"hour": 1, "minute": 54, "second": 56}
